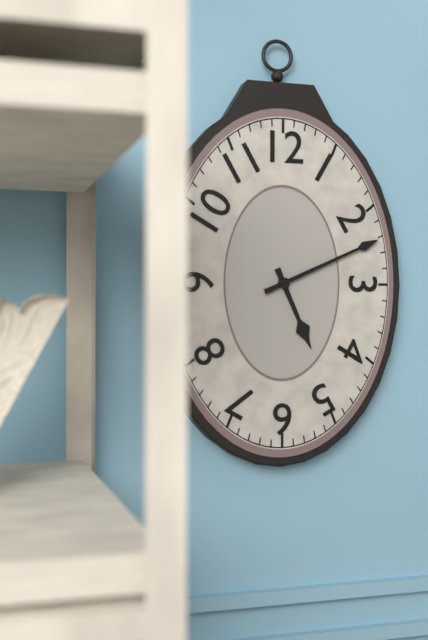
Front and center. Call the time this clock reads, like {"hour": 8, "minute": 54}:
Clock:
{"hour": 5, "minute": 11}
